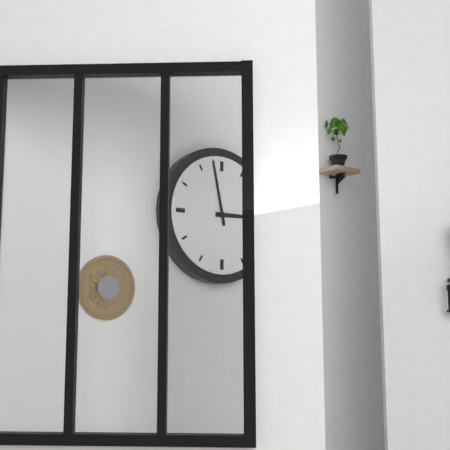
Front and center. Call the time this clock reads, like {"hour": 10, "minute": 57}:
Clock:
{"hour": 2, "minute": 58}
